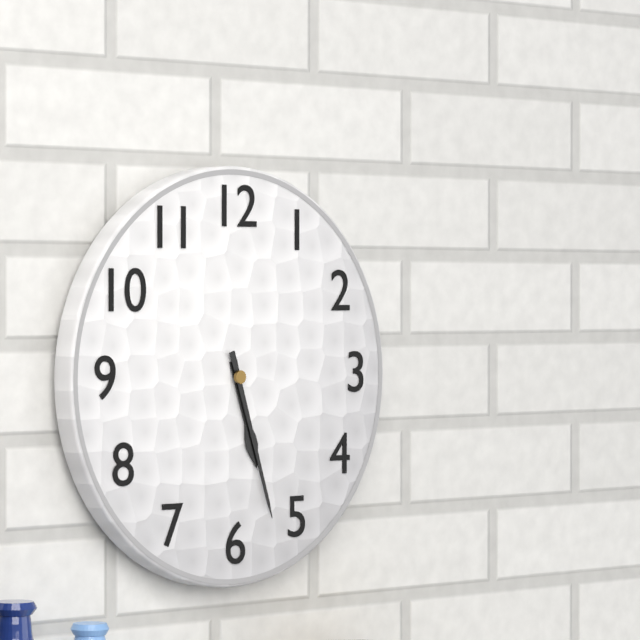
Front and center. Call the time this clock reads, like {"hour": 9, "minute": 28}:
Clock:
{"hour": 5, "minute": 27}
